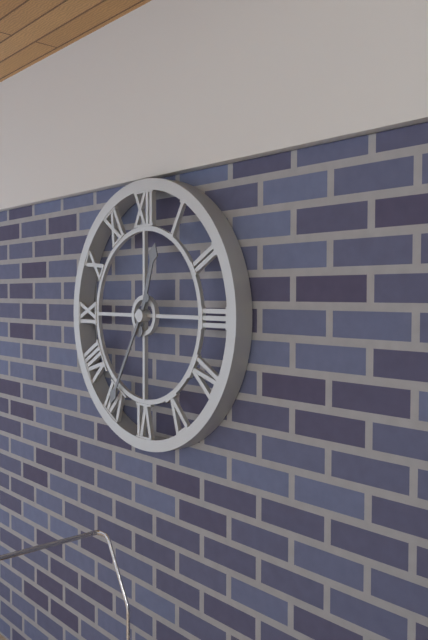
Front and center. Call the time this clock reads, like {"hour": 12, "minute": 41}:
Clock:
{"hour": 12, "minute": 35}
